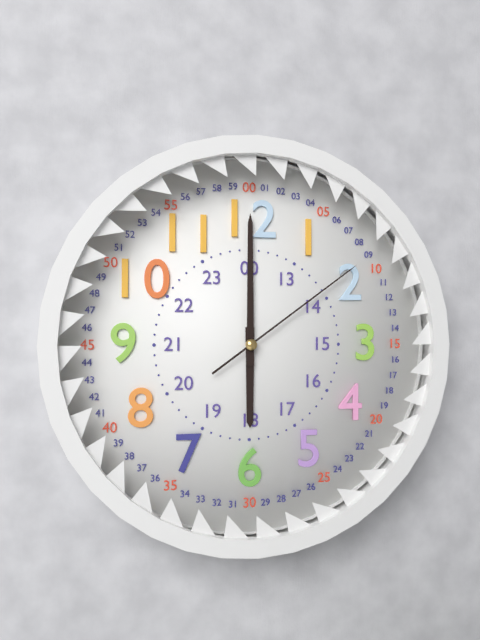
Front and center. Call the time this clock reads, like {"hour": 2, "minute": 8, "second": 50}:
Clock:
{"hour": 6, "minute": 0, "second": 9}
